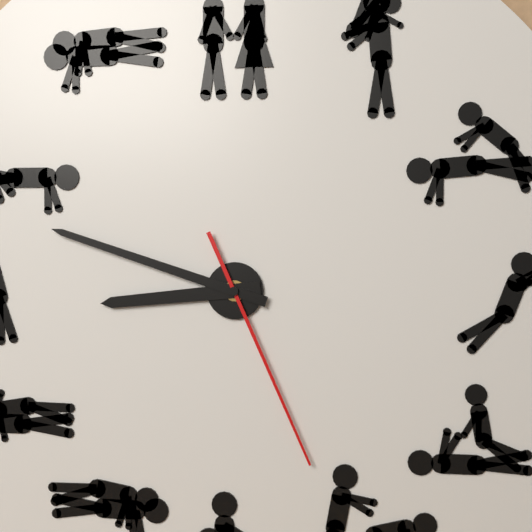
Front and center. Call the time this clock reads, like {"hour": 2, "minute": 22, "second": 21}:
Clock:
{"hour": 8, "minute": 48, "second": 26}
